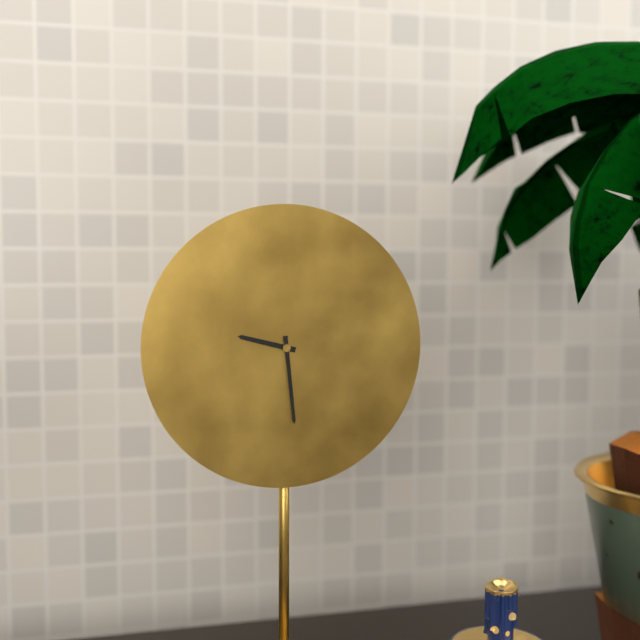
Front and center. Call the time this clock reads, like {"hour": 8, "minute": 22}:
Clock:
{"hour": 9, "minute": 29}
